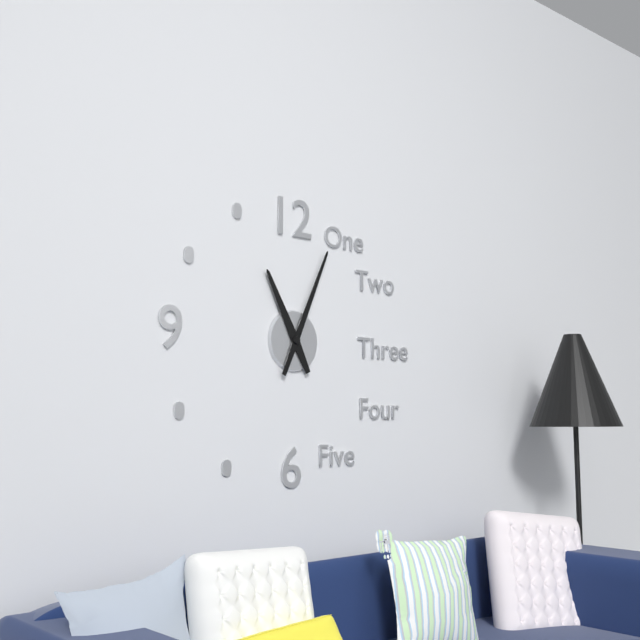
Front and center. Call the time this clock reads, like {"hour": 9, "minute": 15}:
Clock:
{"hour": 11, "minute": 4}
